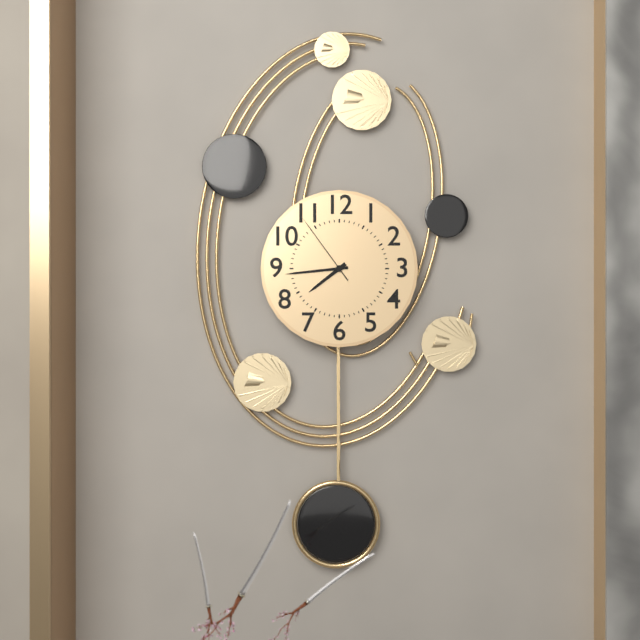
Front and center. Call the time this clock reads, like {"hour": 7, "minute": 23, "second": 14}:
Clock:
{"hour": 7, "minute": 44, "second": 54}
